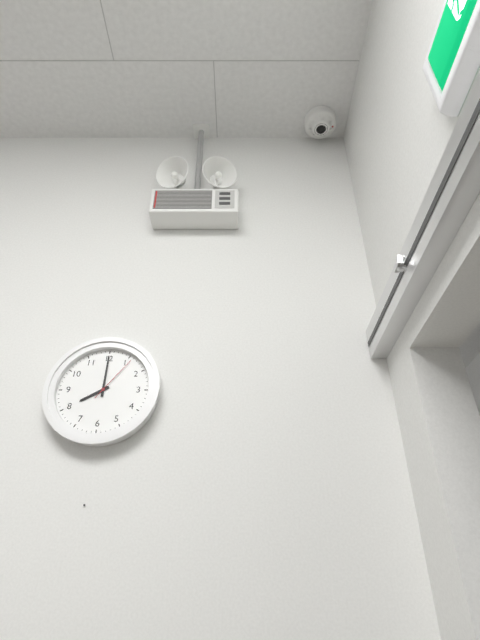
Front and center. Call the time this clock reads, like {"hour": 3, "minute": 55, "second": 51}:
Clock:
{"hour": 8, "minute": 0, "second": 6}
